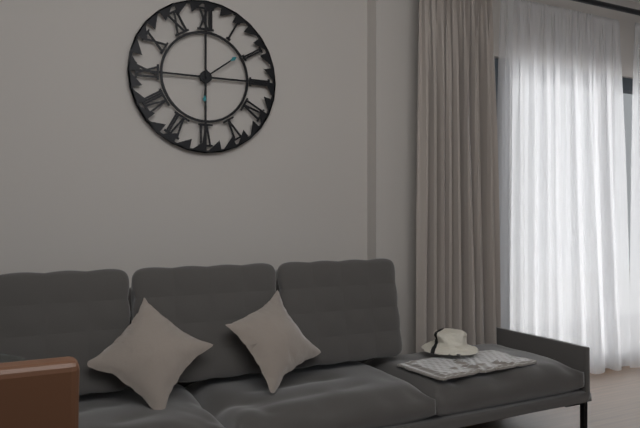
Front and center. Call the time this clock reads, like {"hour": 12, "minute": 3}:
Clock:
{"hour": 6, "minute": 9}
